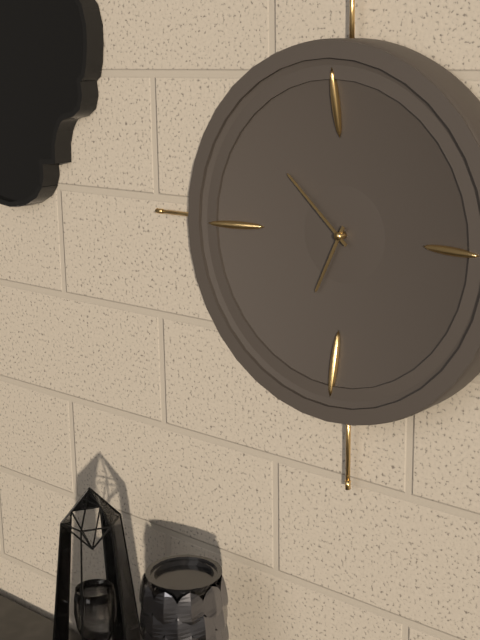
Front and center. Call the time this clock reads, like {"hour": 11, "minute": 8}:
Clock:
{"hour": 6, "minute": 52}
